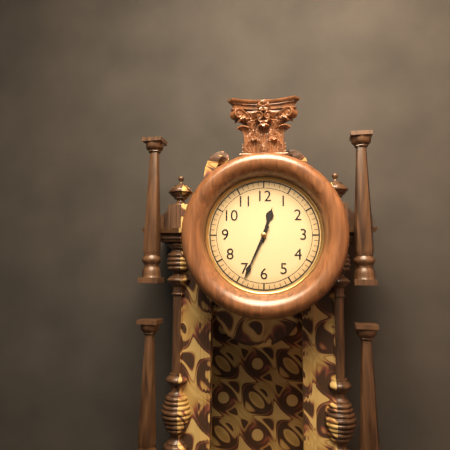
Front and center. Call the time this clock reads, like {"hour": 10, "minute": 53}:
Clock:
{"hour": 12, "minute": 34}
